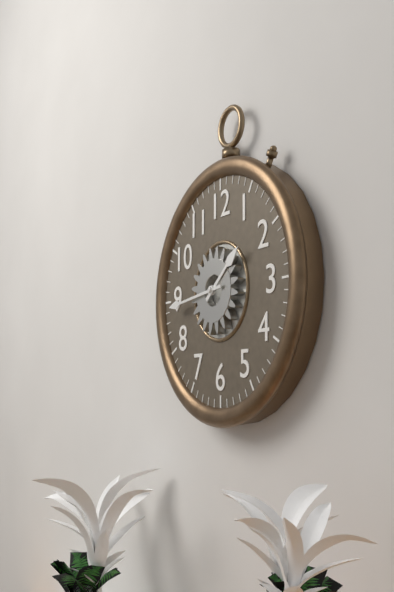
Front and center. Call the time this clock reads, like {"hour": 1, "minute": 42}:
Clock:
{"hour": 1, "minute": 44}
